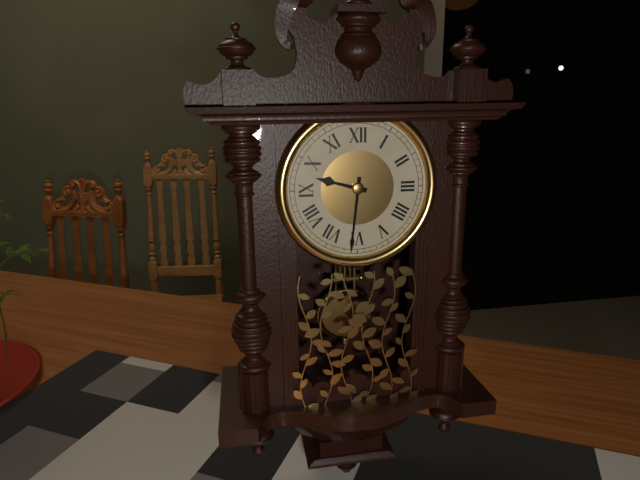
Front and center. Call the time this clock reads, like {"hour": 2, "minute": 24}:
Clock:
{"hour": 9, "minute": 31}
